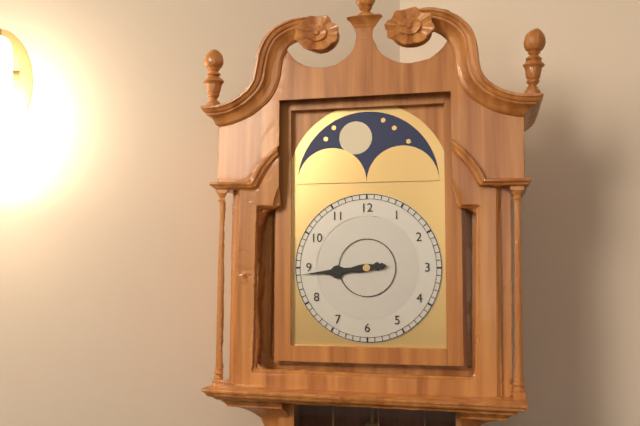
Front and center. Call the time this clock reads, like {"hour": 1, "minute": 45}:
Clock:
{"hour": 8, "minute": 44}
